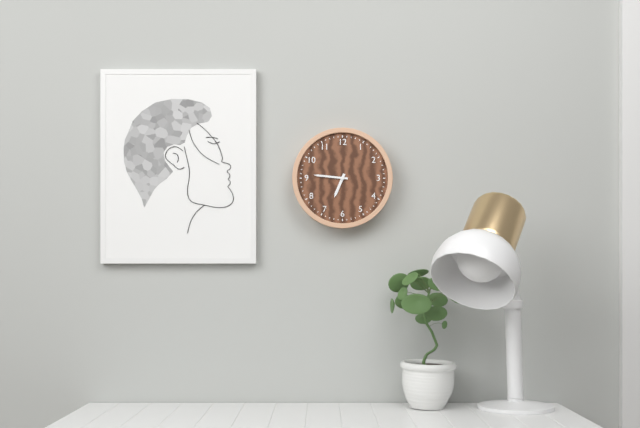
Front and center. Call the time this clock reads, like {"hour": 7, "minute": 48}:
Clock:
{"hour": 6, "minute": 46}
